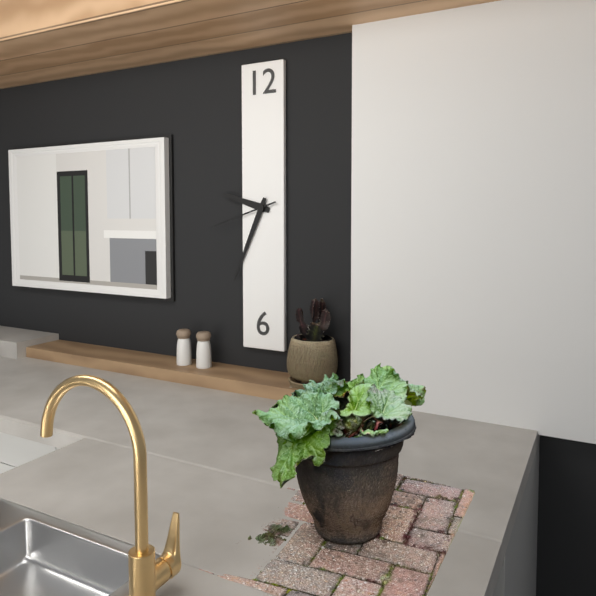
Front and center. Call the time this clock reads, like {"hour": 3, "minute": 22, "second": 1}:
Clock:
{"hour": 9, "minute": 34, "second": 42}
